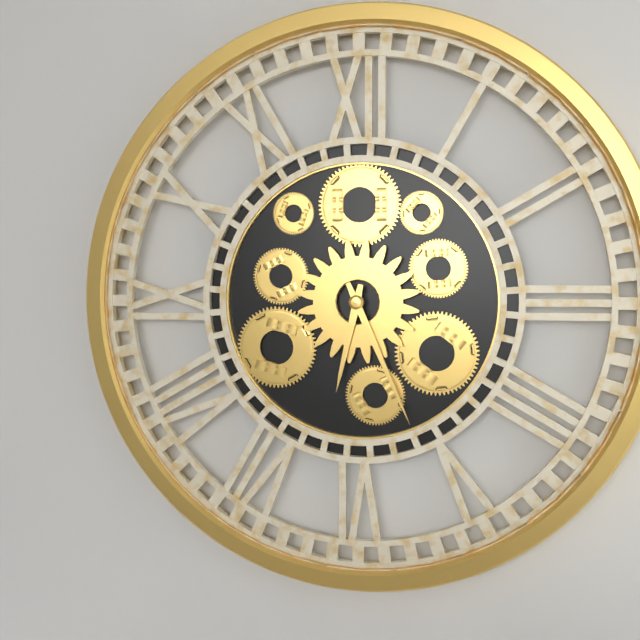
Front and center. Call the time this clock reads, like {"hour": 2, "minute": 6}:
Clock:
{"hour": 6, "minute": 26}
